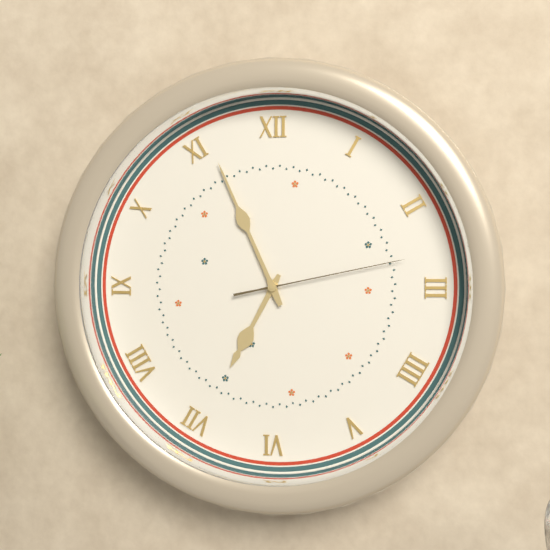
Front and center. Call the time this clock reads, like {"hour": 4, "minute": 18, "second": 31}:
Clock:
{"hour": 6, "minute": 56, "second": 13}
